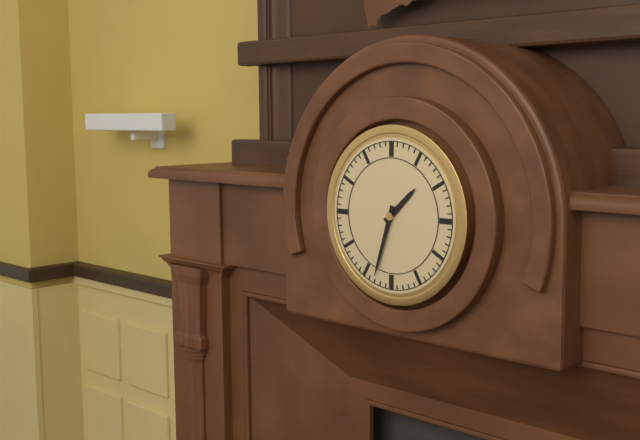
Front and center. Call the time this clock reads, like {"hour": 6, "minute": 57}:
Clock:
{"hour": 1, "minute": 33}
